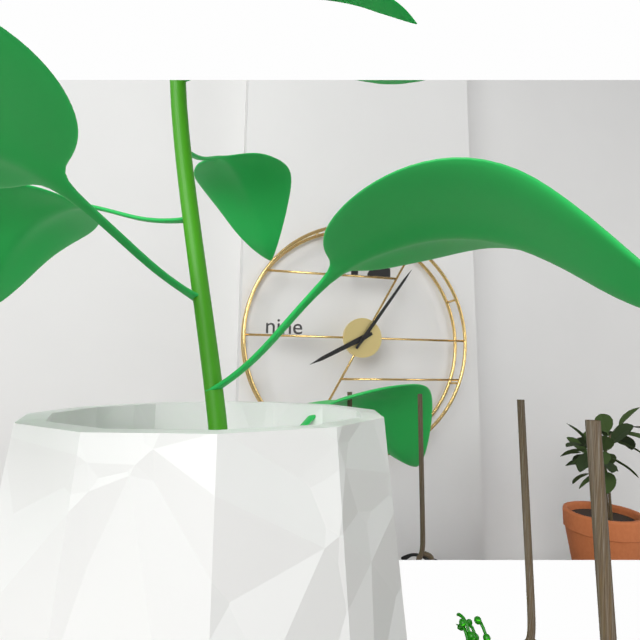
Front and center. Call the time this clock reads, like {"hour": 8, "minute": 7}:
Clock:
{"hour": 8, "minute": 6}
